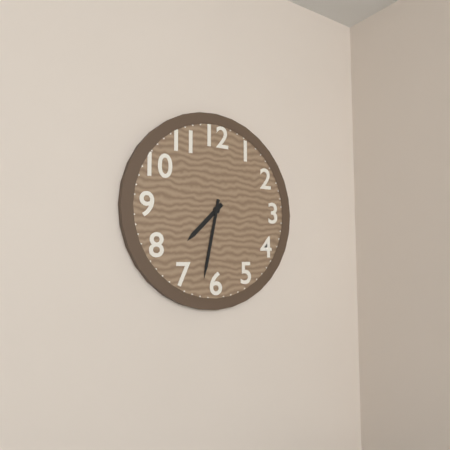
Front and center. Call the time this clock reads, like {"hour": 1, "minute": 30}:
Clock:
{"hour": 7, "minute": 32}
